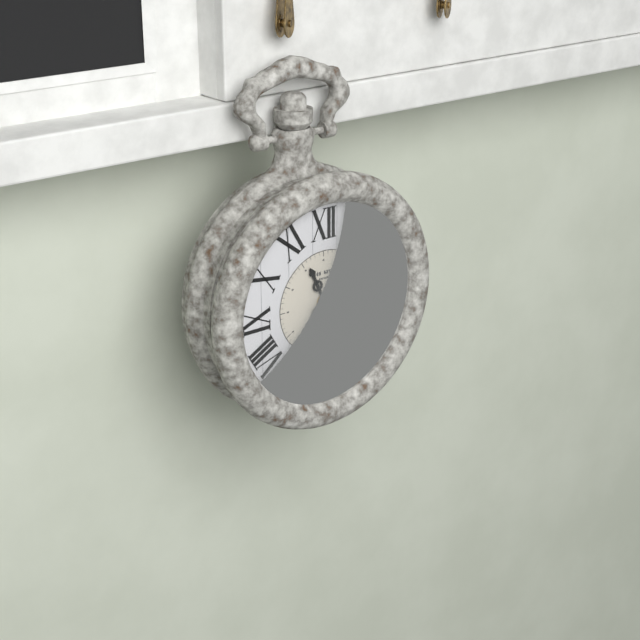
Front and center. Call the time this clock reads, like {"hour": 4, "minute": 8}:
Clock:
{"hour": 11, "minute": 11}
